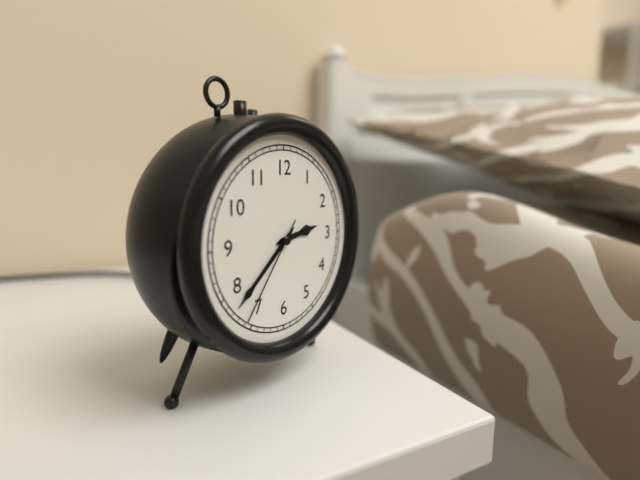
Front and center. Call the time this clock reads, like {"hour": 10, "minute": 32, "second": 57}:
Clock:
{"hour": 2, "minute": 38, "second": 36}
